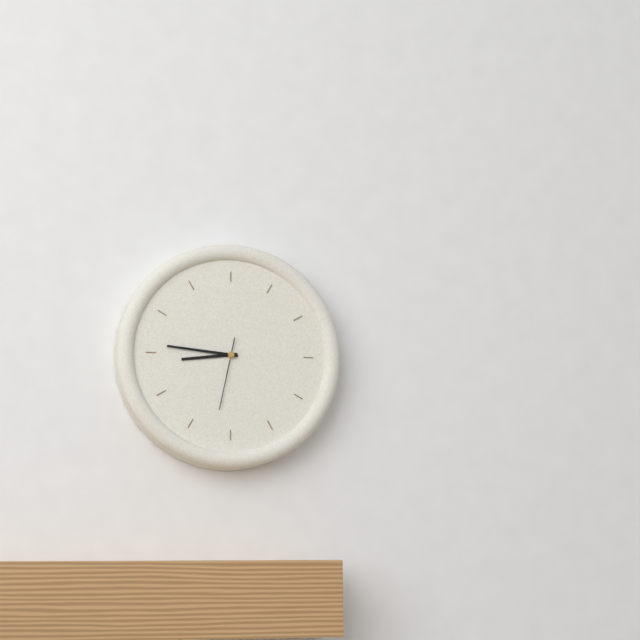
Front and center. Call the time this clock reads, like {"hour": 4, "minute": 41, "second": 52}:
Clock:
{"hour": 8, "minute": 46, "second": 32}
